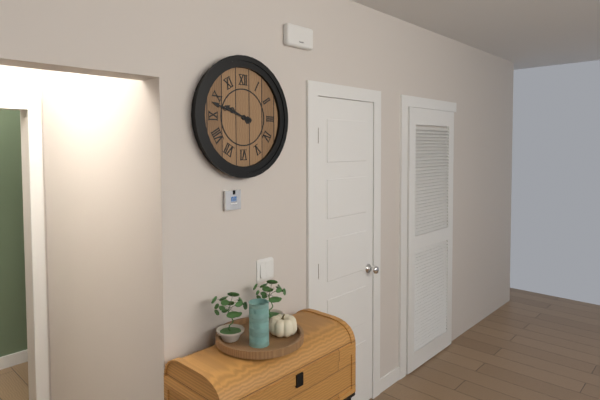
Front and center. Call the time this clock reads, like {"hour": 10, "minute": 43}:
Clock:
{"hour": 9, "minute": 48}
